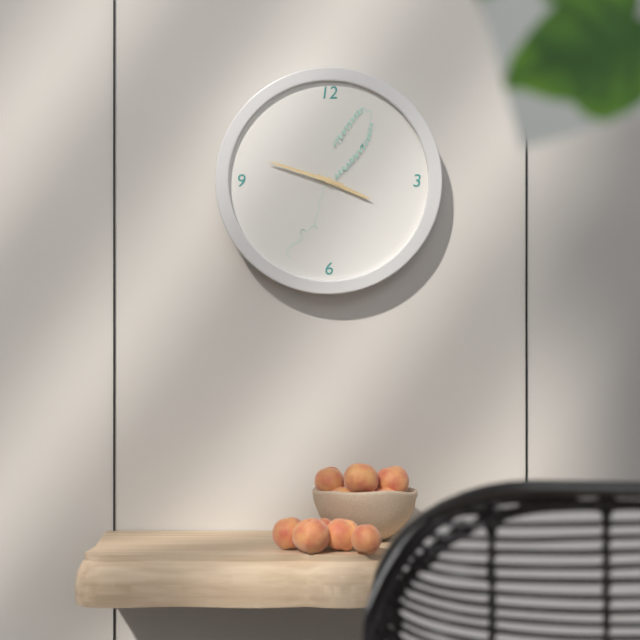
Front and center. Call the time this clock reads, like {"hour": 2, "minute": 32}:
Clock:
{"hour": 3, "minute": 48}
